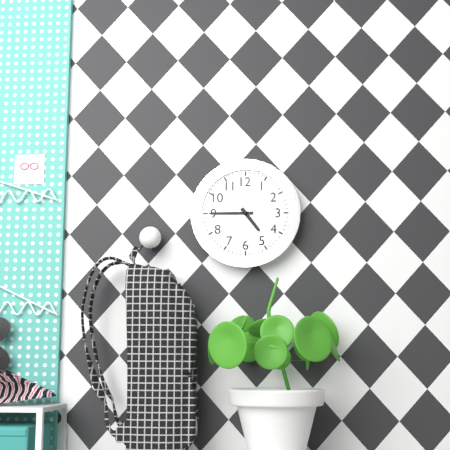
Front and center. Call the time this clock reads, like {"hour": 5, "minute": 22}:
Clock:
{"hour": 4, "minute": 45}
